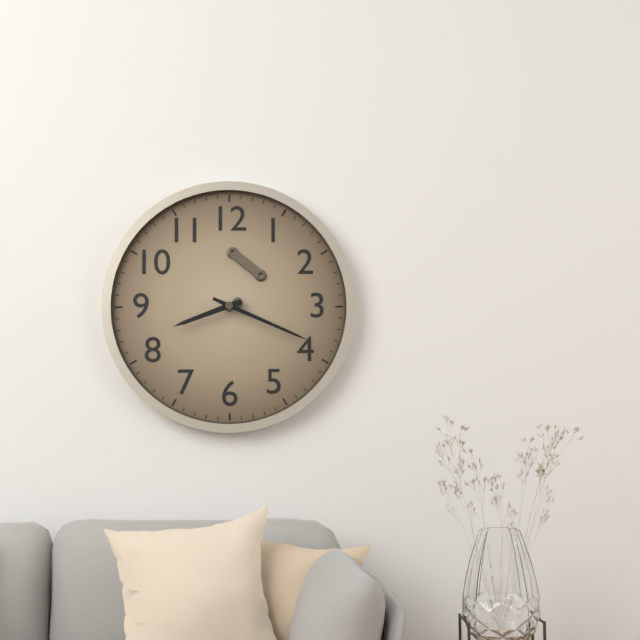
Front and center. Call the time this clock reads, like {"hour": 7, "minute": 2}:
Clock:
{"hour": 8, "minute": 19}
